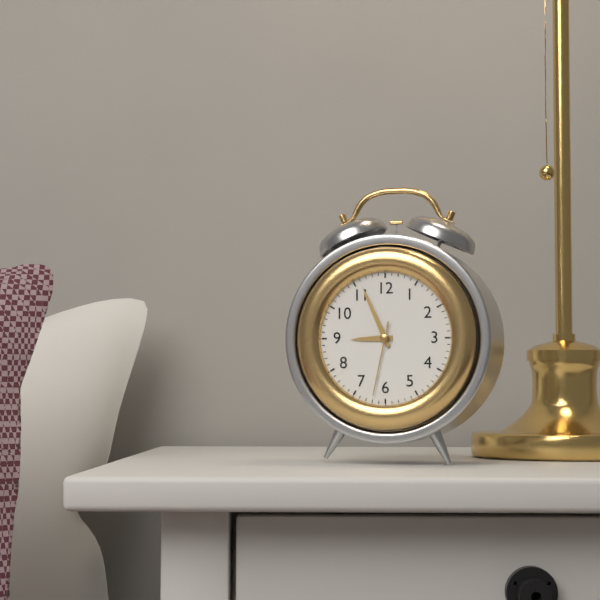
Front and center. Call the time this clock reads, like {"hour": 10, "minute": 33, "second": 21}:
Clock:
{"hour": 8, "minute": 56, "second": 32}
